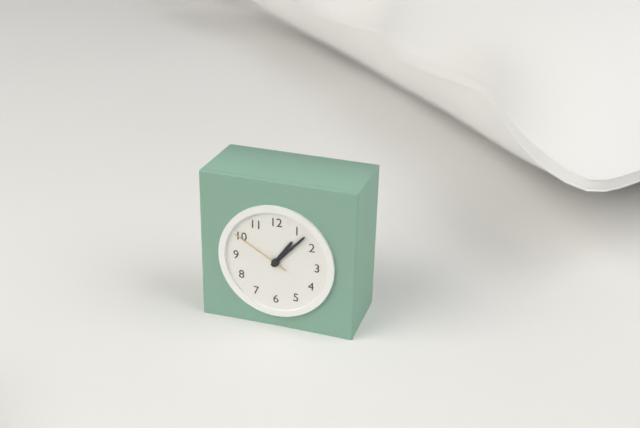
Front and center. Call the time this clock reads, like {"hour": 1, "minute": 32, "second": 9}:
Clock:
{"hour": 1, "minute": 7, "second": 50}
